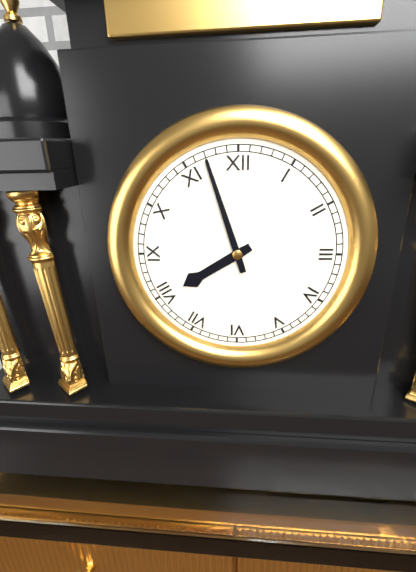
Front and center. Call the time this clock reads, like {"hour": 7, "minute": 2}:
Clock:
{"hour": 7, "minute": 57}
